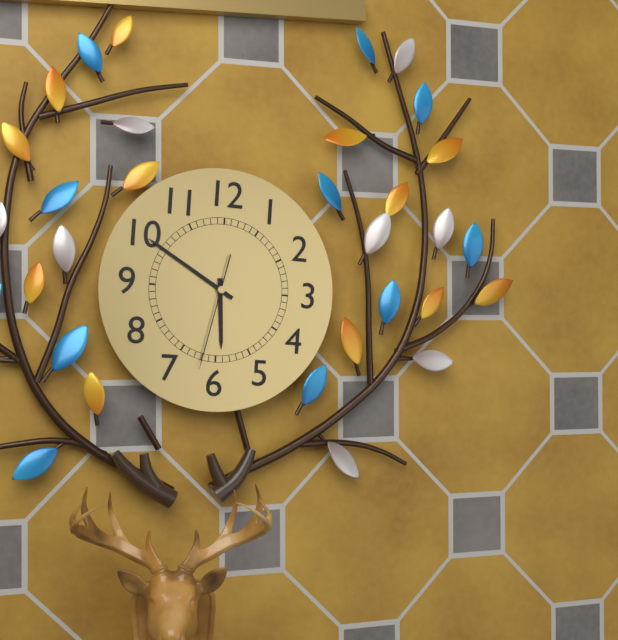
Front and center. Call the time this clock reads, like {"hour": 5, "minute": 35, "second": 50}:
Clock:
{"hour": 5, "minute": 50, "second": 32}
